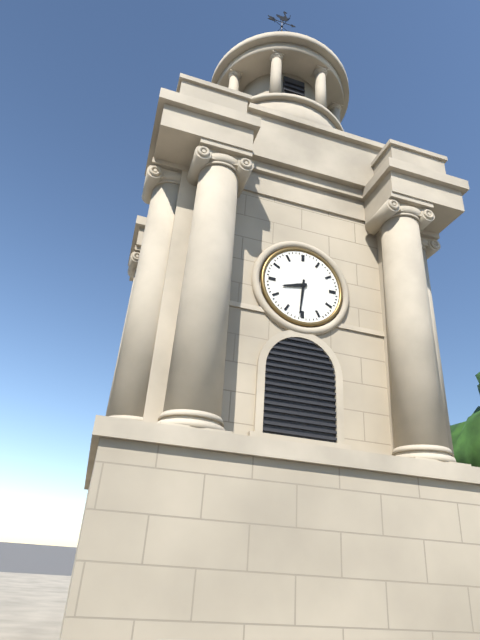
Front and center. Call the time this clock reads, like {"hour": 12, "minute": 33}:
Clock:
{"hour": 8, "minute": 31}
